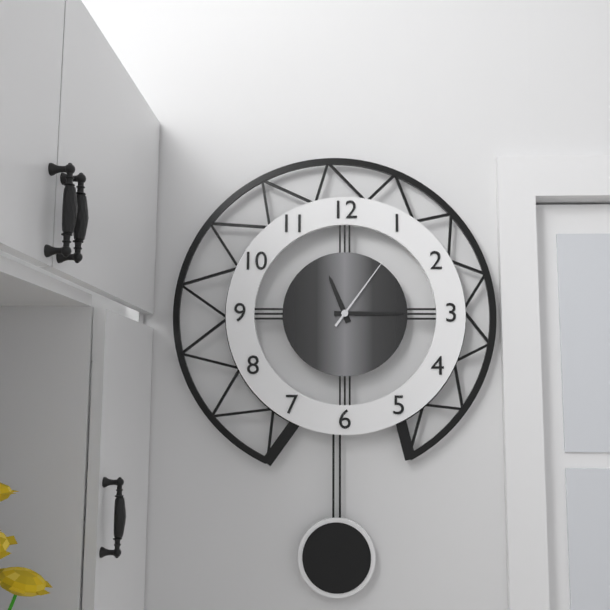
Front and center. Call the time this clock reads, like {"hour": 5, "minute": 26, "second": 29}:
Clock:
{"hour": 11, "minute": 15, "second": 6}
